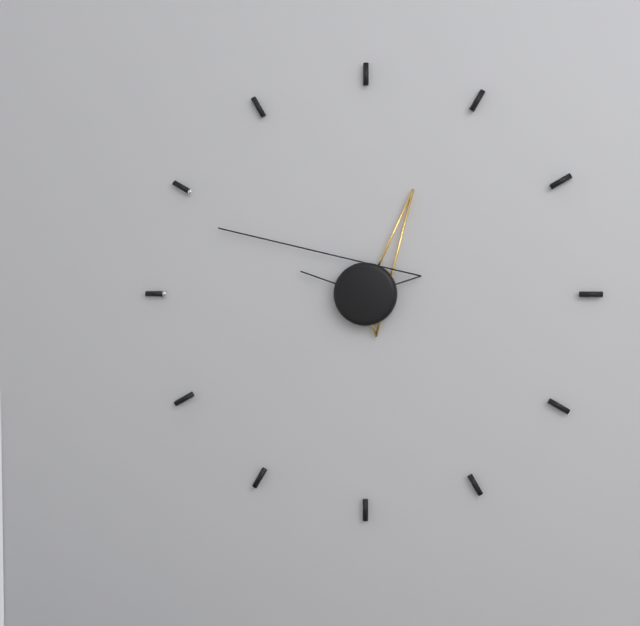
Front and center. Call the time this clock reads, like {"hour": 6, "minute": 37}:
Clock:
{"hour": 12, "minute": 49}
